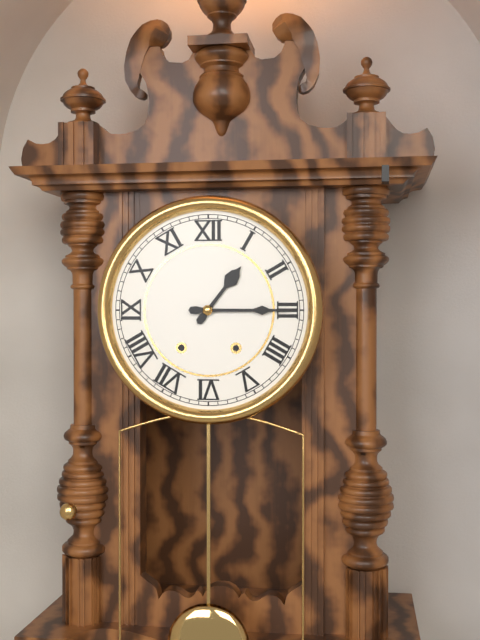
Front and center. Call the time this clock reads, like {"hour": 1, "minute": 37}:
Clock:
{"hour": 1, "minute": 15}
